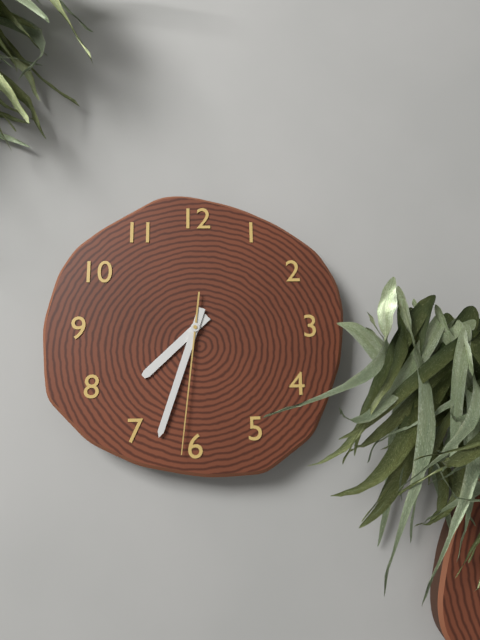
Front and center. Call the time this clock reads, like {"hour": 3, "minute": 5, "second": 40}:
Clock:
{"hour": 7, "minute": 33, "second": 31}
